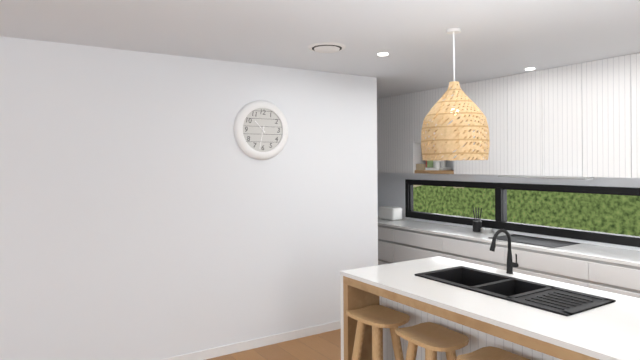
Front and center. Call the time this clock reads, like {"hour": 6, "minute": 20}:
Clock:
{"hour": 10, "minute": 32}
